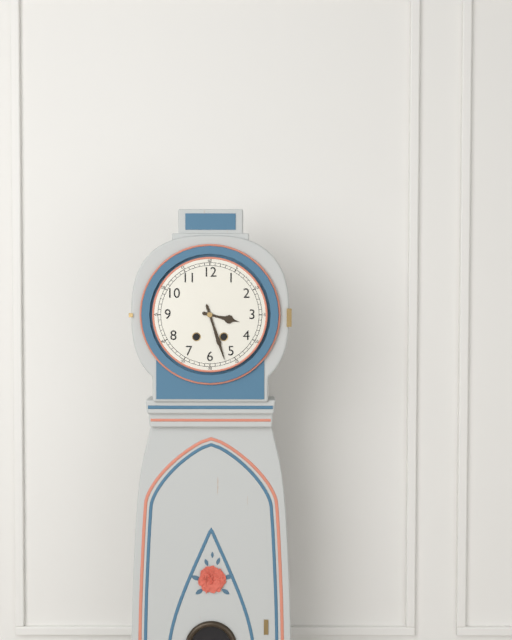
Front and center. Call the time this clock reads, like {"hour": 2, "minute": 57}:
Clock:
{"hour": 3, "minute": 27}
